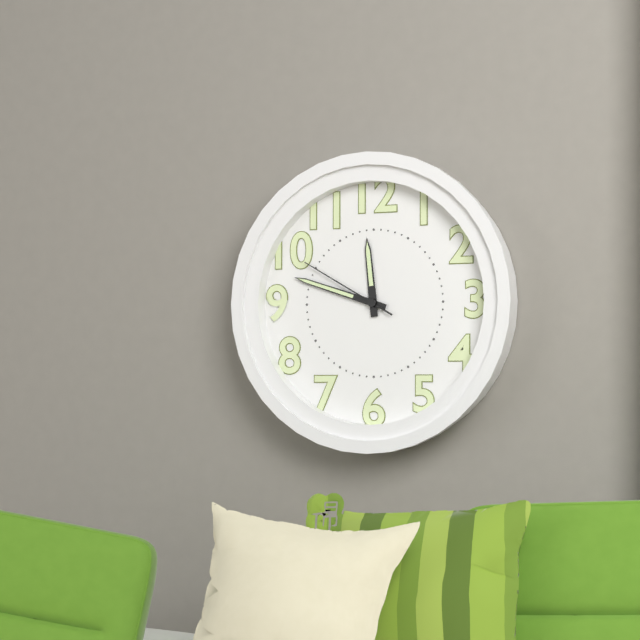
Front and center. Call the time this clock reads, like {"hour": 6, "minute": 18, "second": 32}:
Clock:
{"hour": 11, "minute": 48, "second": 50}
